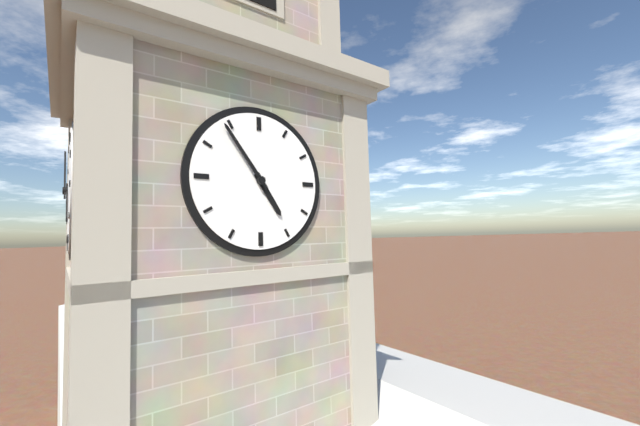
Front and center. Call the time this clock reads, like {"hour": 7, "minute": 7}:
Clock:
{"hour": 4, "minute": 54}
